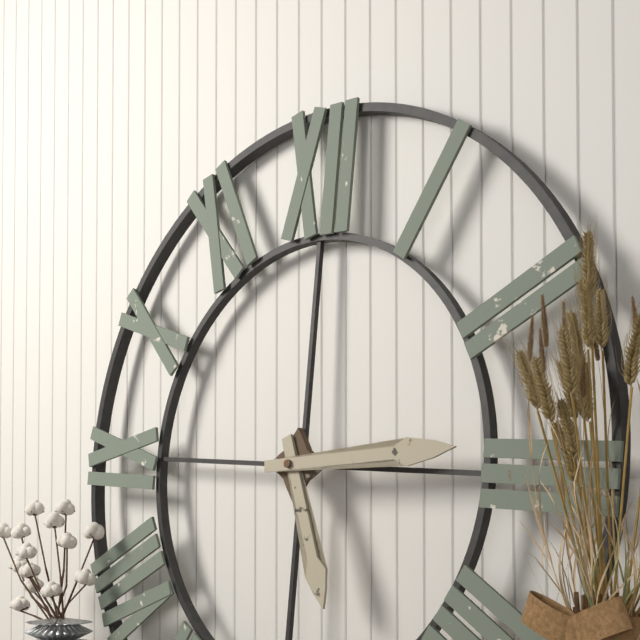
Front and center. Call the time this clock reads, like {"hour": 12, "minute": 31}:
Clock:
{"hour": 5, "minute": 14}
